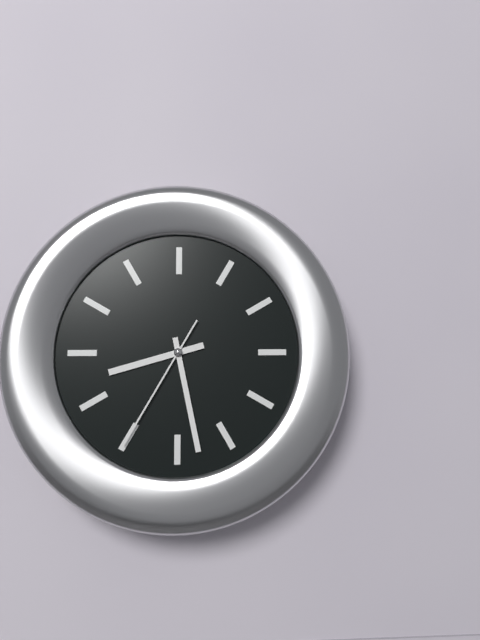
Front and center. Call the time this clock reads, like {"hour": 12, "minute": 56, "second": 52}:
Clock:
{"hour": 8, "minute": 28, "second": 35}
